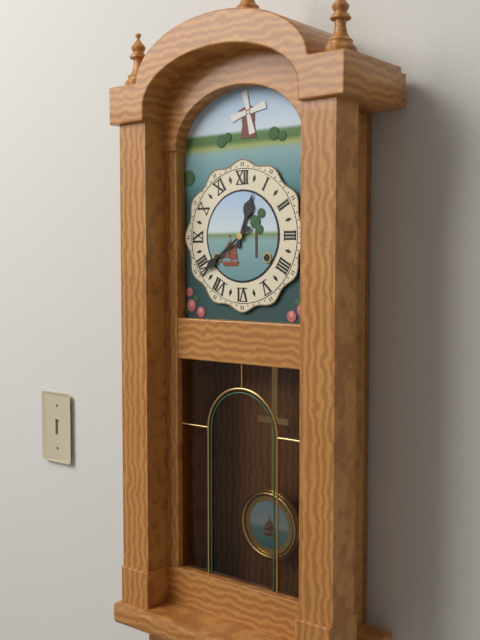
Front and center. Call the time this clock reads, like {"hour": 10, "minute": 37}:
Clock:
{"hour": 12, "minute": 39}
